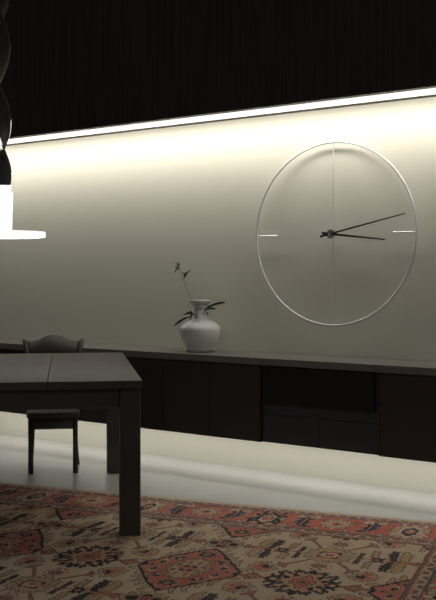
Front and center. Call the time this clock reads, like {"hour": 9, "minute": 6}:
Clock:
{"hour": 3, "minute": 13}
